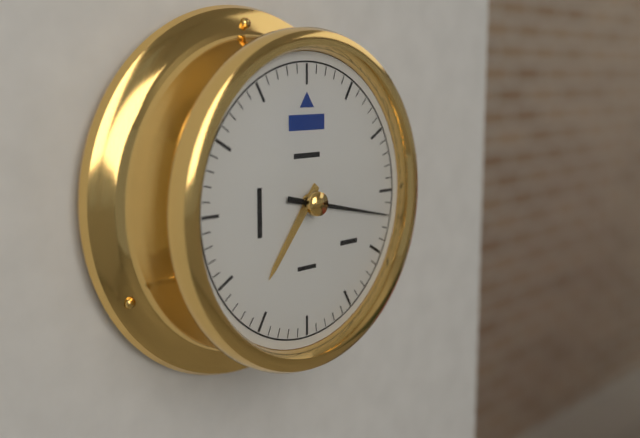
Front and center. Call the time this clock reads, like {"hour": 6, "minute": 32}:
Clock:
{"hour": 7, "minute": 17}
